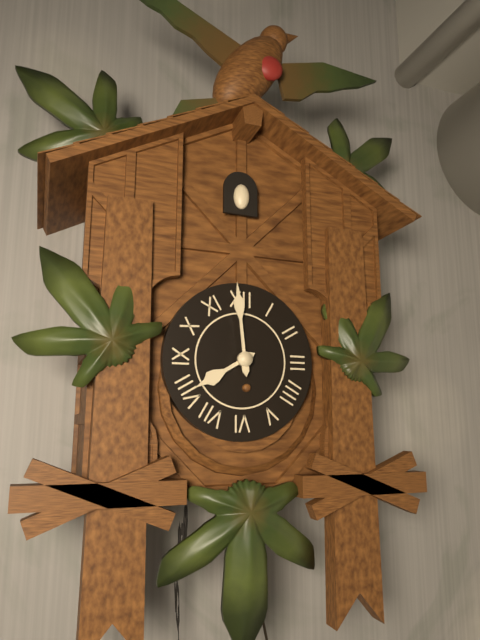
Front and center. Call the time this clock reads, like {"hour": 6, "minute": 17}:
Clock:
{"hour": 7, "minute": 59}
